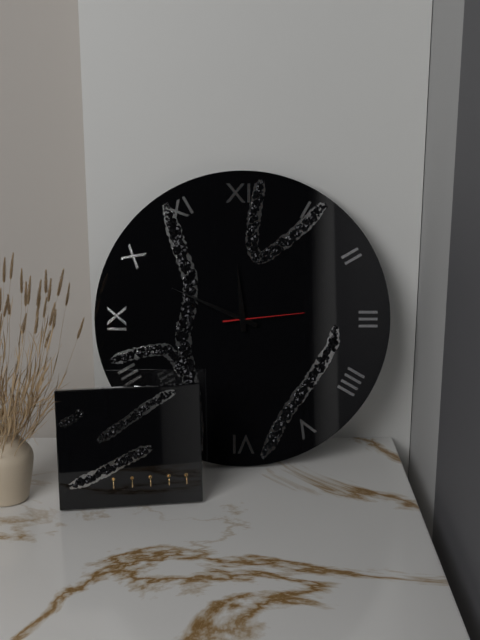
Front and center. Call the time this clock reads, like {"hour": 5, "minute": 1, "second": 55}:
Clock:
{"hour": 11, "minute": 49, "second": 14}
